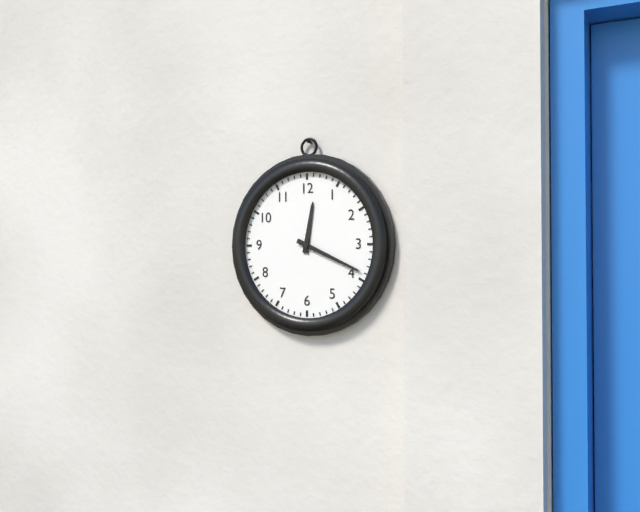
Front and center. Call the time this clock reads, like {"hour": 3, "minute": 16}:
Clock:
{"hour": 12, "minute": 19}
